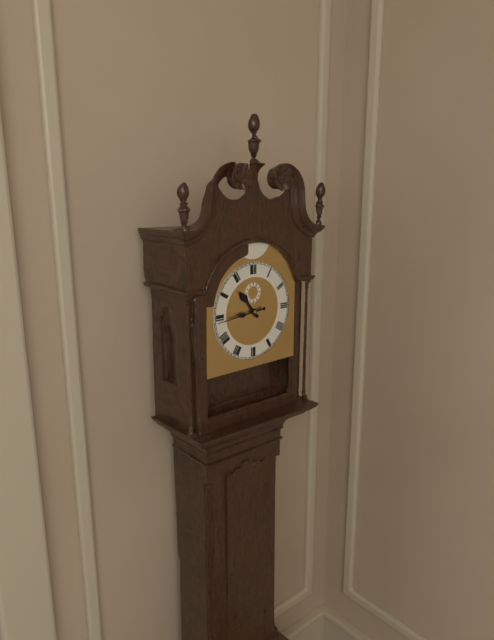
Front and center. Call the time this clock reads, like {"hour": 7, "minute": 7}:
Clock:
{"hour": 10, "minute": 44}
